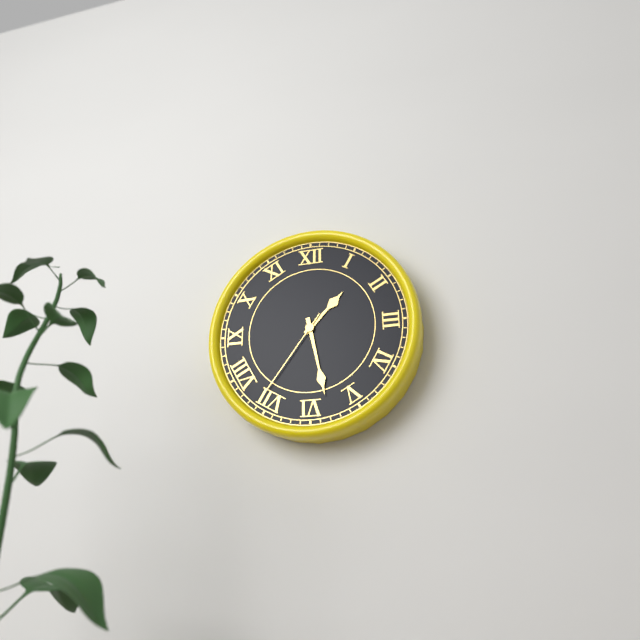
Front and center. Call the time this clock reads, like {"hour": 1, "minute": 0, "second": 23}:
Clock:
{"hour": 1, "minute": 28, "second": 36}
